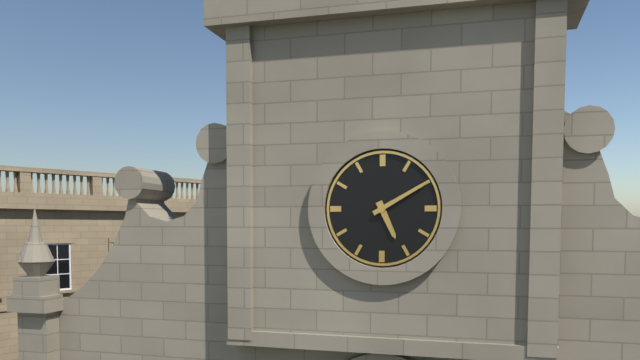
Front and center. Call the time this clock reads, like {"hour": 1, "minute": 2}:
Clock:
{"hour": 5, "minute": 10}
